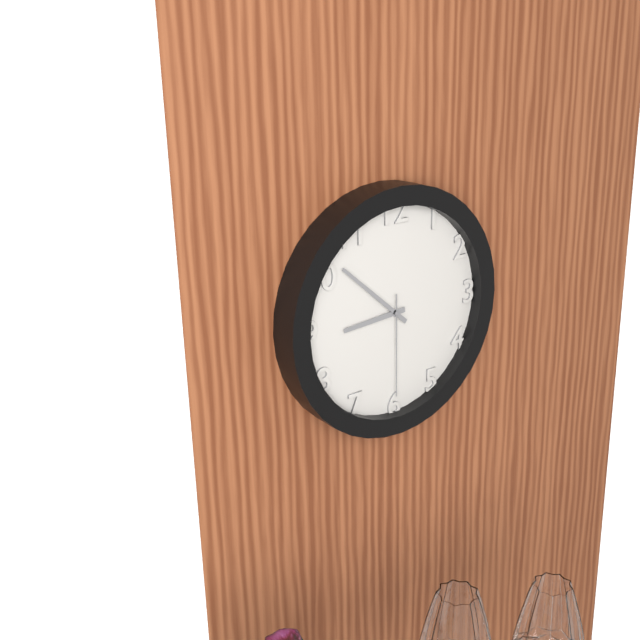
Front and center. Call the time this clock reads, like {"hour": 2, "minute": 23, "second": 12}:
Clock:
{"hour": 8, "minute": 52, "second": 30}
